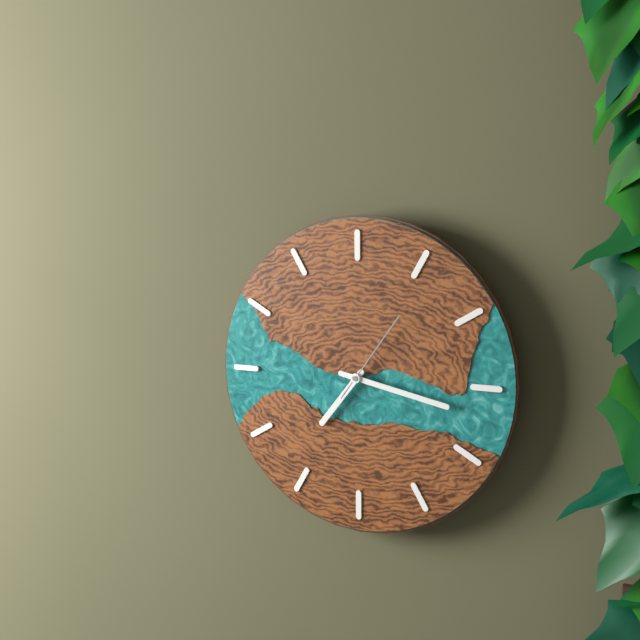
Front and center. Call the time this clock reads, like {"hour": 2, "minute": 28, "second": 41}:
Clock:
{"hour": 7, "minute": 17, "second": 6}
